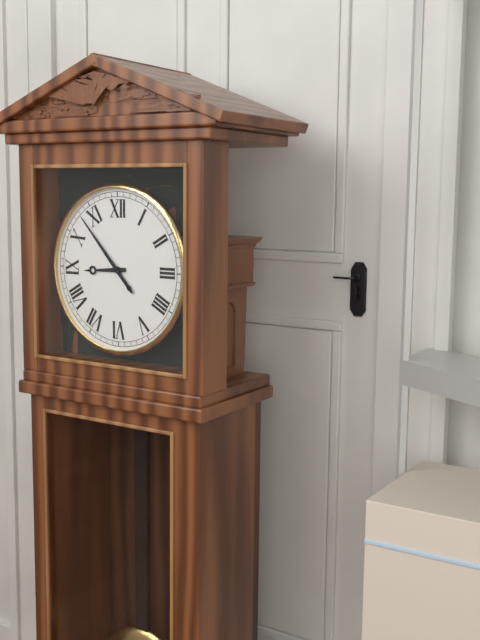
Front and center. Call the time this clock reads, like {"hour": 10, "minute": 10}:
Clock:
{"hour": 8, "minute": 53}
